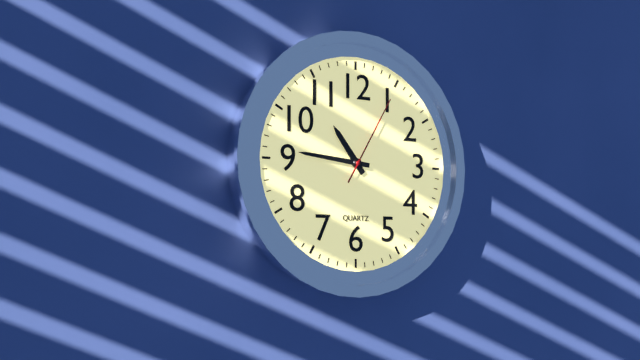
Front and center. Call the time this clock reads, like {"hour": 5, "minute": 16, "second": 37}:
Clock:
{"hour": 10, "minute": 46, "second": 5}
